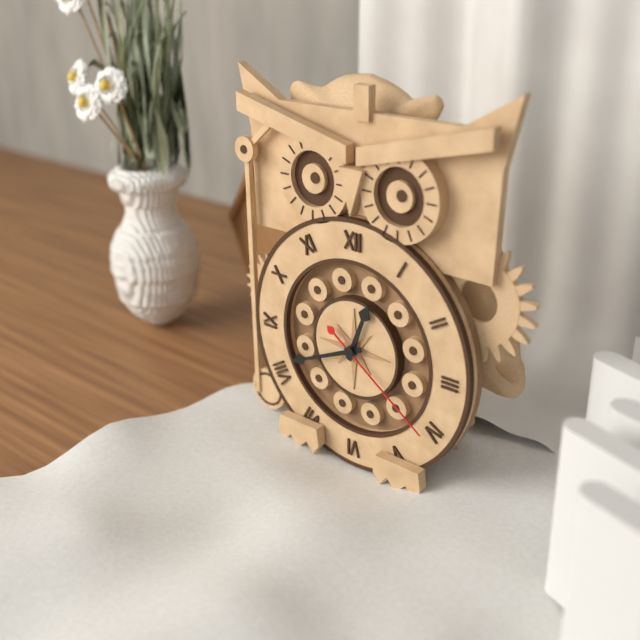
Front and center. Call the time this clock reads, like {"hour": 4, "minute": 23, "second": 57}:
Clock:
{"hour": 12, "minute": 41, "second": 21}
